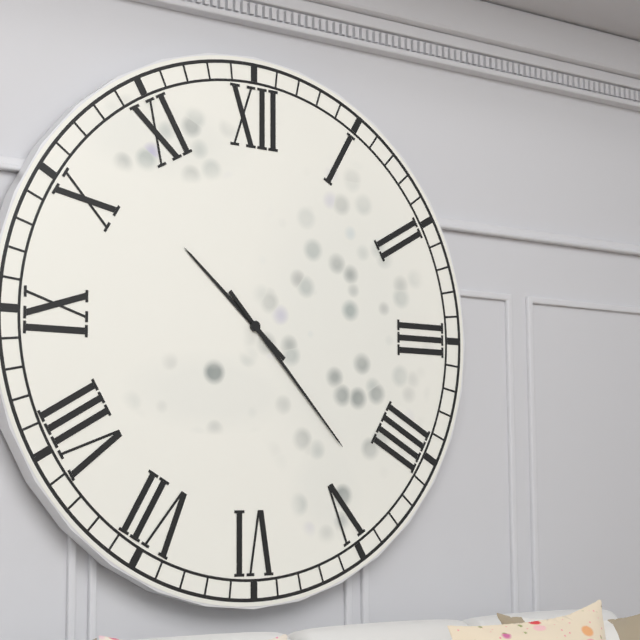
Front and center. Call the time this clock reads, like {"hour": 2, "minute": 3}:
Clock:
{"hour": 10, "minute": 23}
